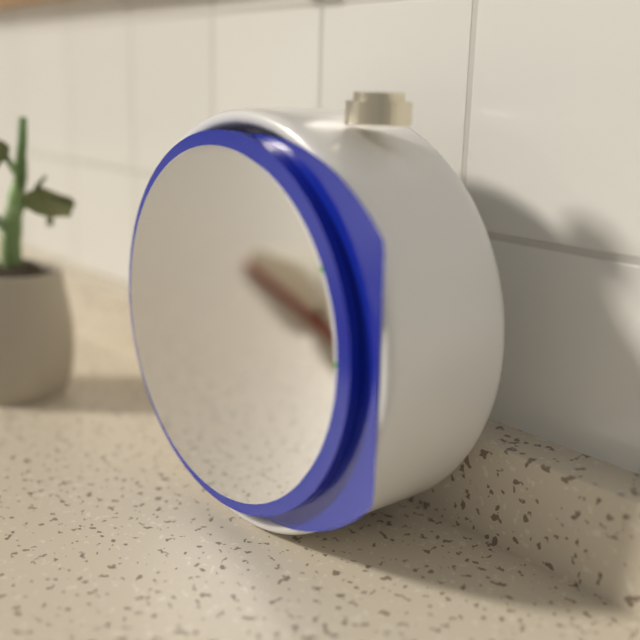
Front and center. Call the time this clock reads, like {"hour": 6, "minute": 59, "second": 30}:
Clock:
{"hour": 10, "minute": 51, "second": 5}
